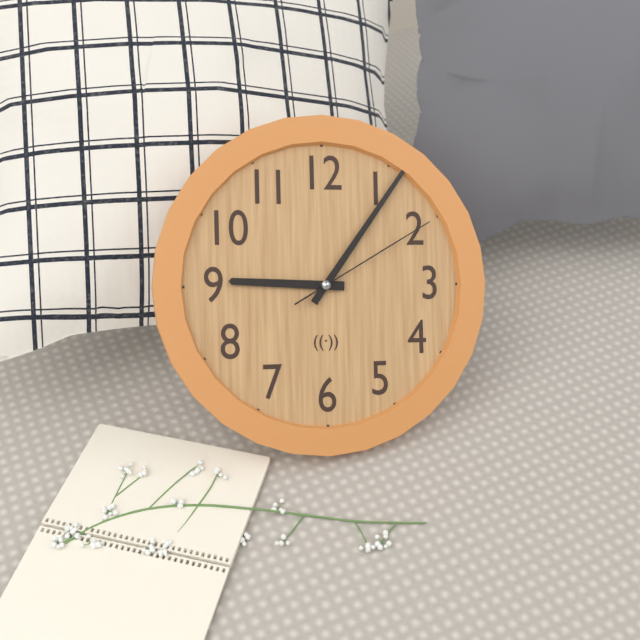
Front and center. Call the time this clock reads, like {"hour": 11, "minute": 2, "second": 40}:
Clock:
{"hour": 9, "minute": 6, "second": 10}
